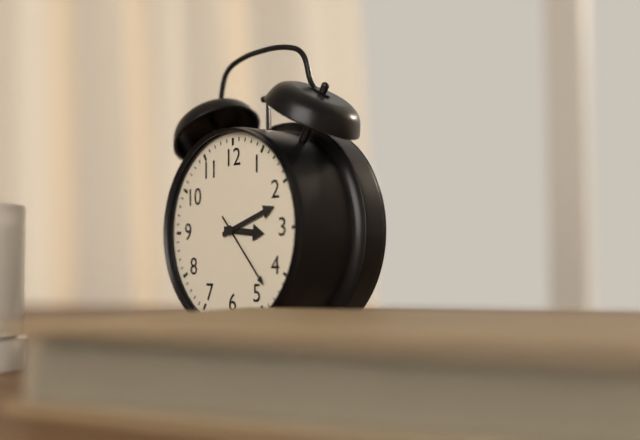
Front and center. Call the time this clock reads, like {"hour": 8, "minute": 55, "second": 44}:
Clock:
{"hour": 3, "minute": 12, "second": 23}
